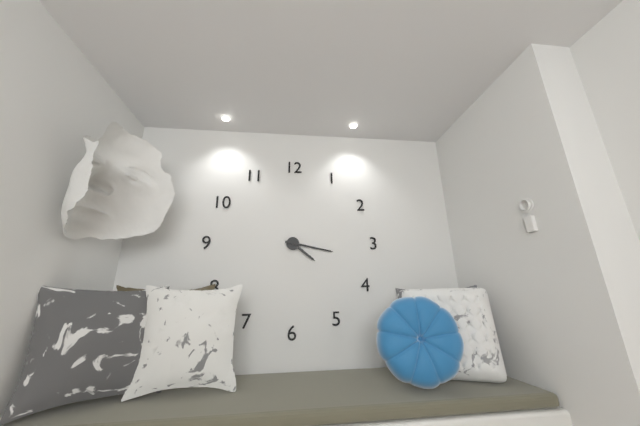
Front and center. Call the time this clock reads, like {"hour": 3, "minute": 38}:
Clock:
{"hour": 4, "minute": 17}
